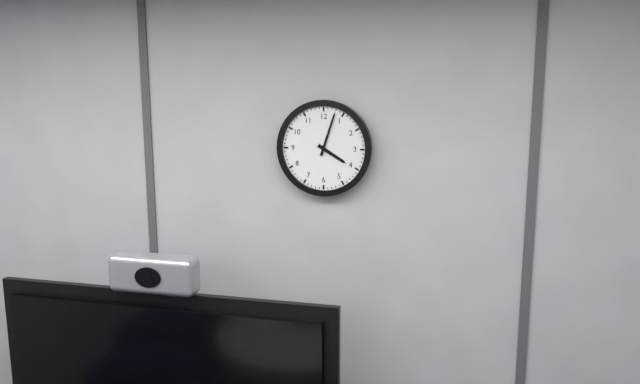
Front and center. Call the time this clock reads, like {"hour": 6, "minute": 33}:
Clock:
{"hour": 4, "minute": 3}
